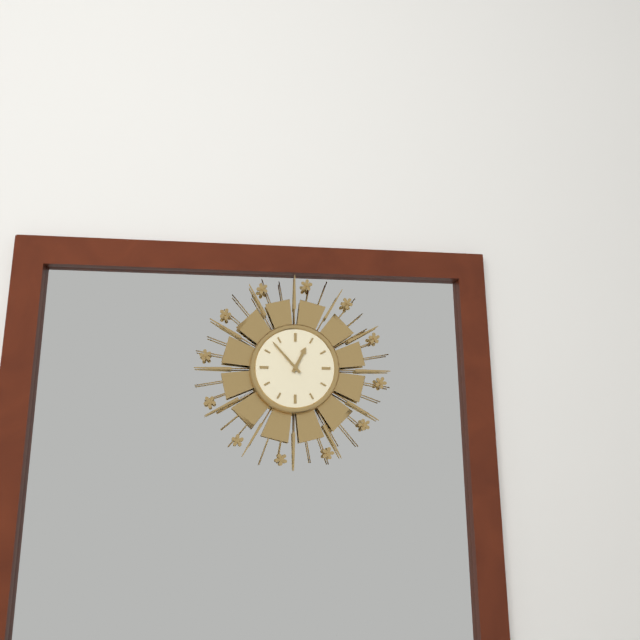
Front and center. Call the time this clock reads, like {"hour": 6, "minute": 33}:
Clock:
{"hour": 12, "minute": 53}
